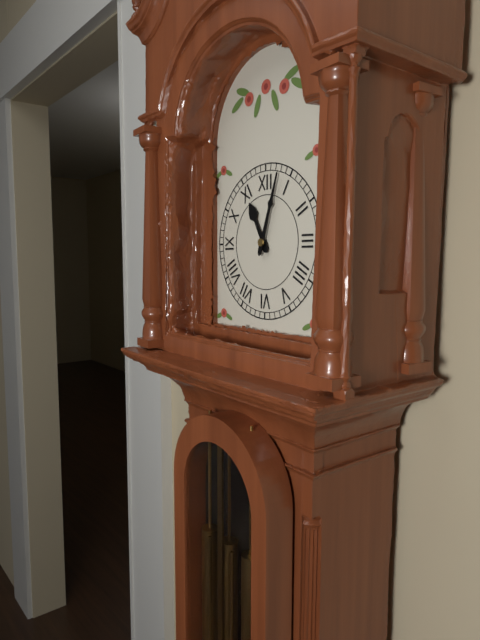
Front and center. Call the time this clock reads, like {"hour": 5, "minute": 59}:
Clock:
{"hour": 11, "minute": 3}
